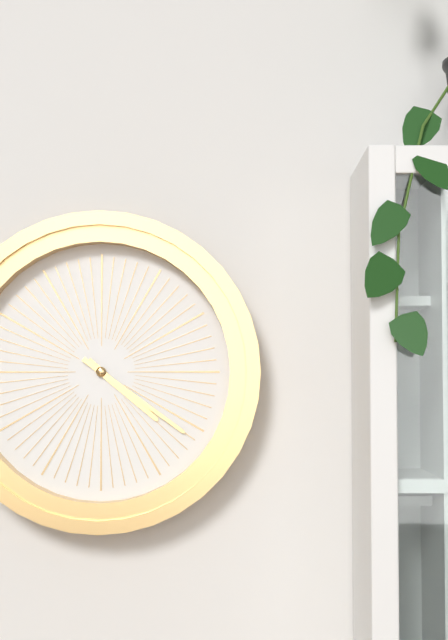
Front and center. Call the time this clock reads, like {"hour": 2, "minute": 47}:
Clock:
{"hour": 4, "minute": 21}
